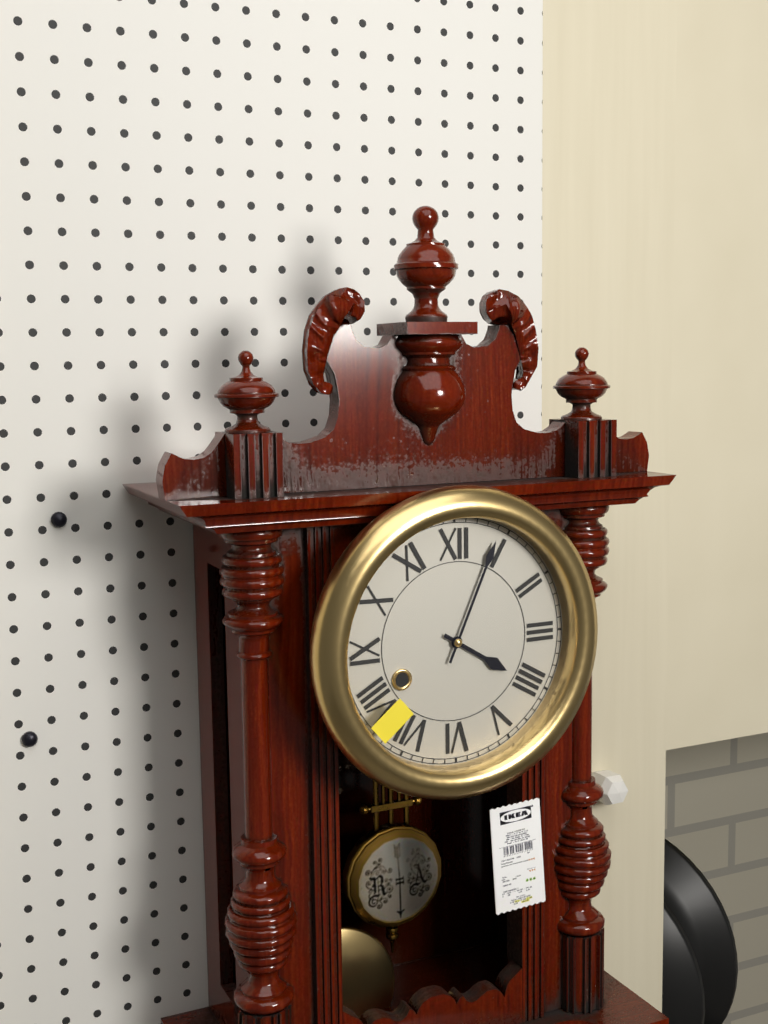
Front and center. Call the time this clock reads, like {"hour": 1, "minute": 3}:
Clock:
{"hour": 4, "minute": 4}
